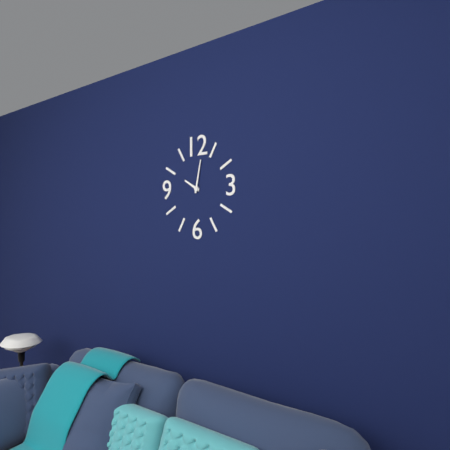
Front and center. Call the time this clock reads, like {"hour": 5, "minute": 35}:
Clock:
{"hour": 10, "minute": 2}
